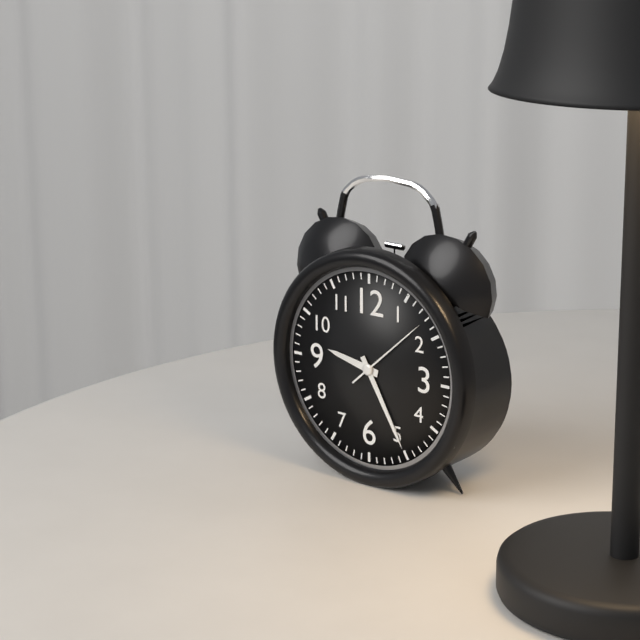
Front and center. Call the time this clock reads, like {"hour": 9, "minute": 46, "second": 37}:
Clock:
{"hour": 9, "minute": 25, "second": 8}
